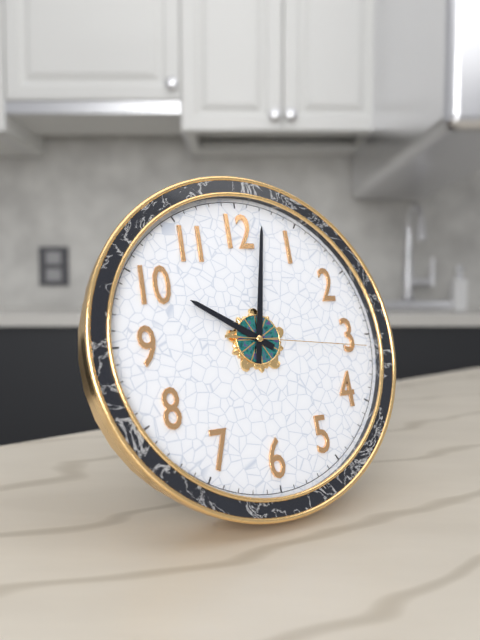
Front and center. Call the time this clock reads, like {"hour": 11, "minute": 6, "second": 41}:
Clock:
{"hour": 10, "minute": 2, "second": 16}
